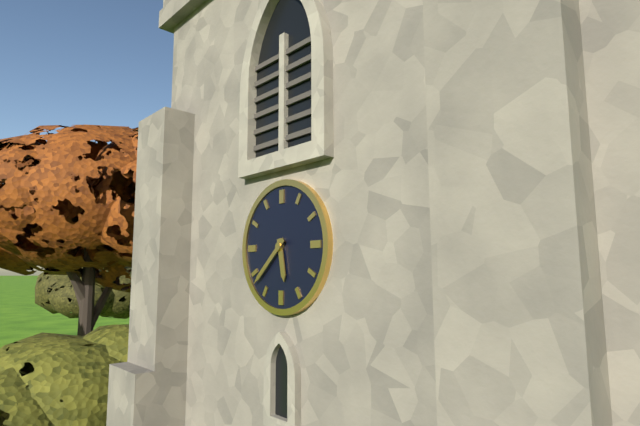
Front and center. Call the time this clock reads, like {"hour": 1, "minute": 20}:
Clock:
{"hour": 5, "minute": 38}
